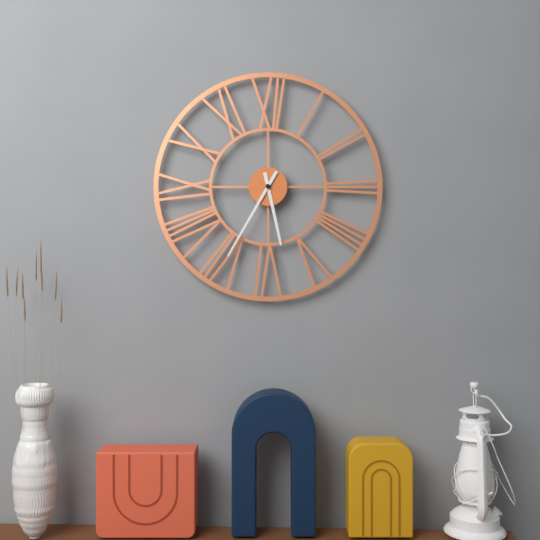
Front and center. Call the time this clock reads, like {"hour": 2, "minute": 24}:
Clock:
{"hour": 5, "minute": 35}
